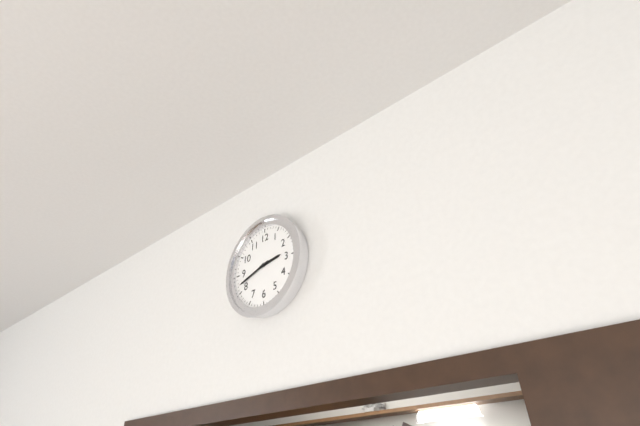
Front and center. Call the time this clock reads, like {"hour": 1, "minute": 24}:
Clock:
{"hour": 2, "minute": 42}
